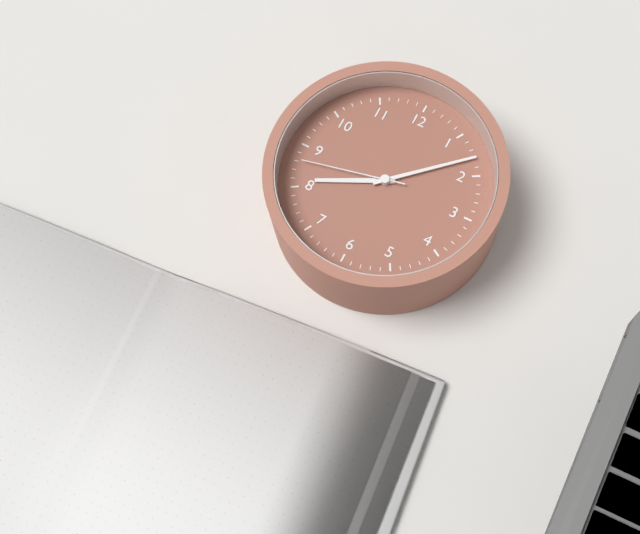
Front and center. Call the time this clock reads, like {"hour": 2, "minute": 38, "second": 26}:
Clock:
{"hour": 8, "minute": 8, "second": 43}
